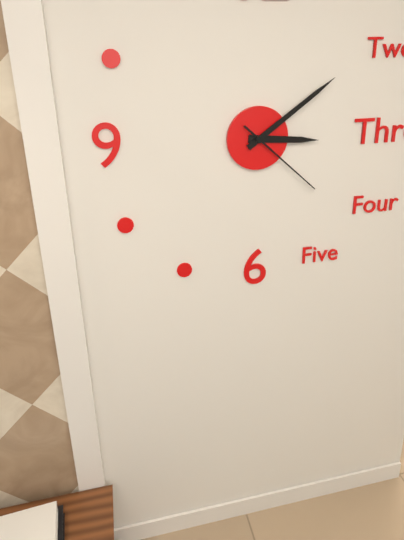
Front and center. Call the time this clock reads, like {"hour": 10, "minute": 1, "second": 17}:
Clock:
{"hour": 3, "minute": 9, "second": 22}
